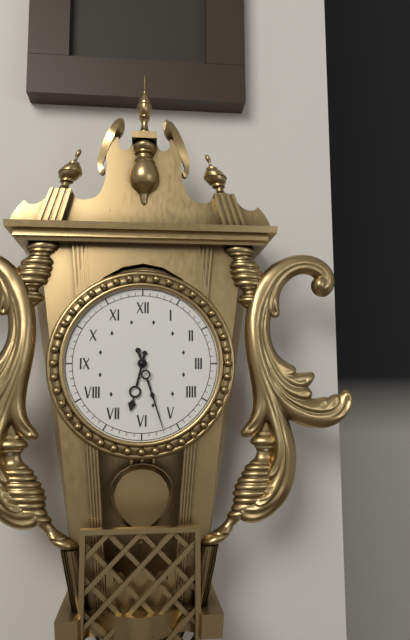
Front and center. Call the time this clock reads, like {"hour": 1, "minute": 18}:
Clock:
{"hour": 6, "minute": 27}
